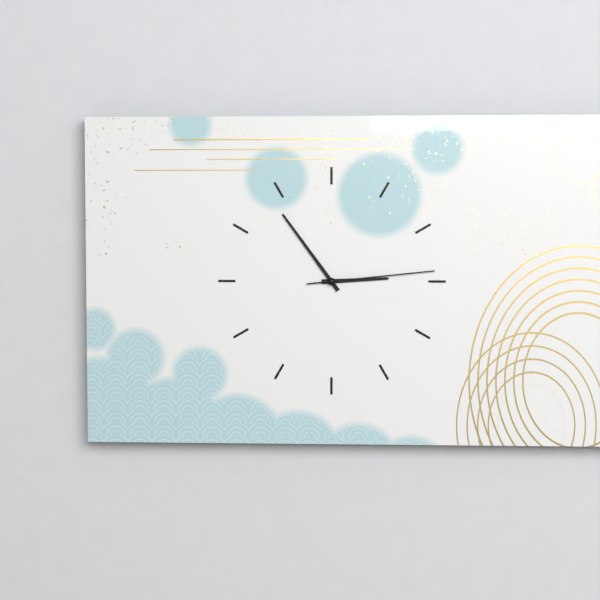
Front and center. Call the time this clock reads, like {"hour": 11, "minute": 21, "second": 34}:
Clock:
{"hour": 2, "minute": 54, "second": 14}
